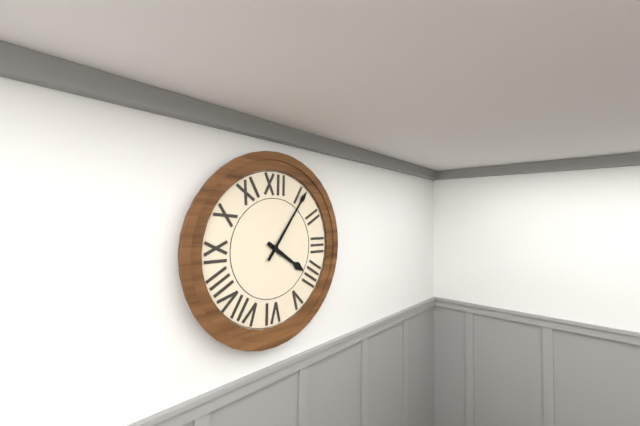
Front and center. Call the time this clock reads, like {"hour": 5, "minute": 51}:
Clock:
{"hour": 4, "minute": 6}
